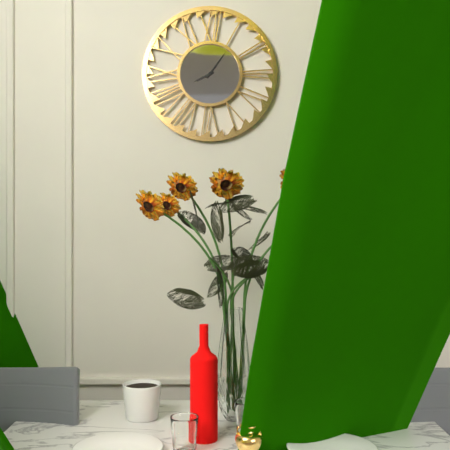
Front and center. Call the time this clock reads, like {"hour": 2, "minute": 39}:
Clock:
{"hour": 8, "minute": 6}
